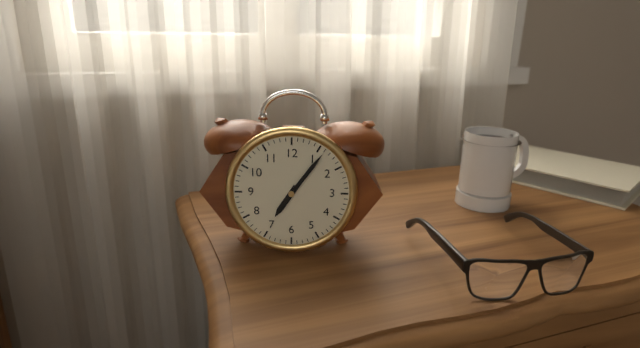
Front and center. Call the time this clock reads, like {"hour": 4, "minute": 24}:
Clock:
{"hour": 7, "minute": 6}
